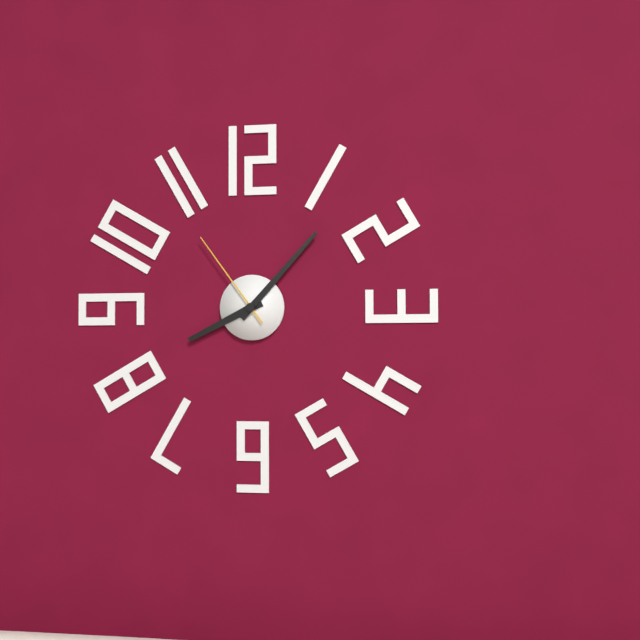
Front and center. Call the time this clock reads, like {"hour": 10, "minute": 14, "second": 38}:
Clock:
{"hour": 8, "minute": 7, "second": 54}
